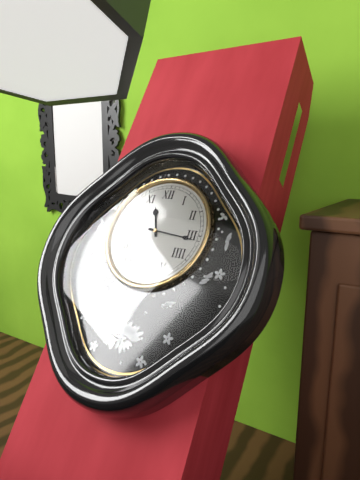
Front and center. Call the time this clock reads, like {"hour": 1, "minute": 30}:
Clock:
{"hour": 11, "minute": 16}
